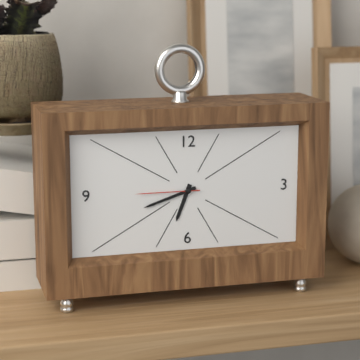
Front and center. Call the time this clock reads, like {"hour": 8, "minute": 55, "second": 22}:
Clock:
{"hour": 6, "minute": 42, "second": 45}
